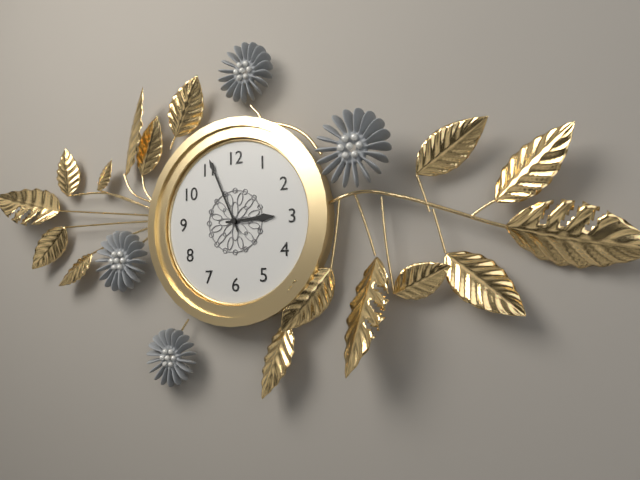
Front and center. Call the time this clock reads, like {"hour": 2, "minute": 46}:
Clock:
{"hour": 2, "minute": 56}
